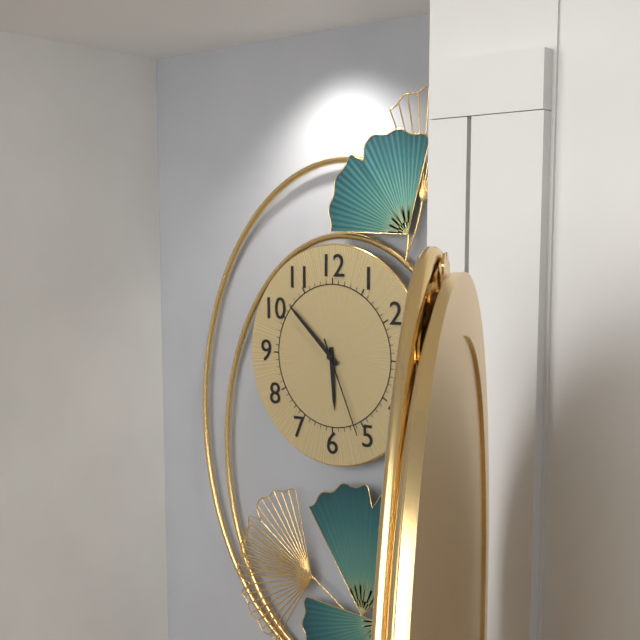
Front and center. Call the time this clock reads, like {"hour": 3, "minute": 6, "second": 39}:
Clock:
{"hour": 5, "minute": 52, "second": 26}
